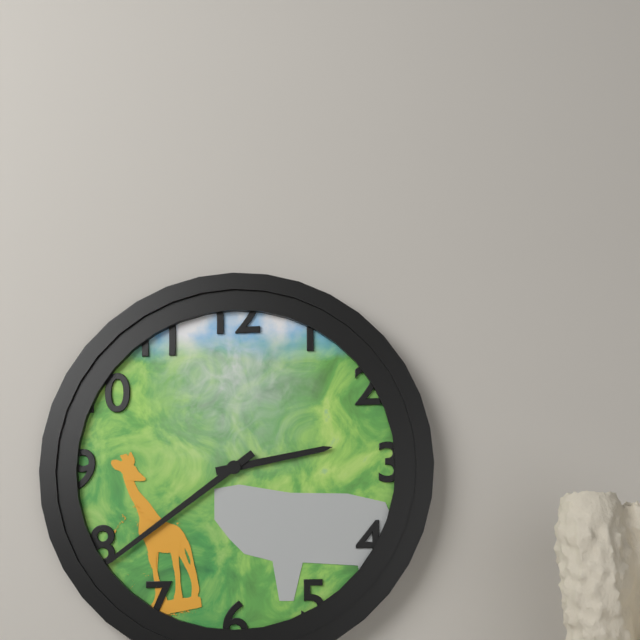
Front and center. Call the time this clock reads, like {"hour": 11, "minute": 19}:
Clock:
{"hour": 2, "minute": 39}
